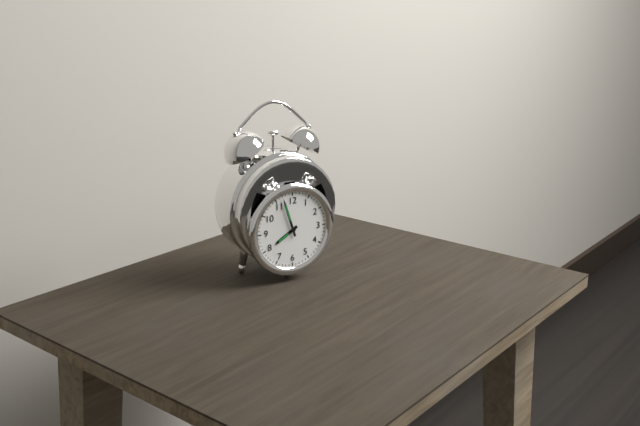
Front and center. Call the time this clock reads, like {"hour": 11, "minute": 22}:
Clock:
{"hour": 7, "minute": 57}
